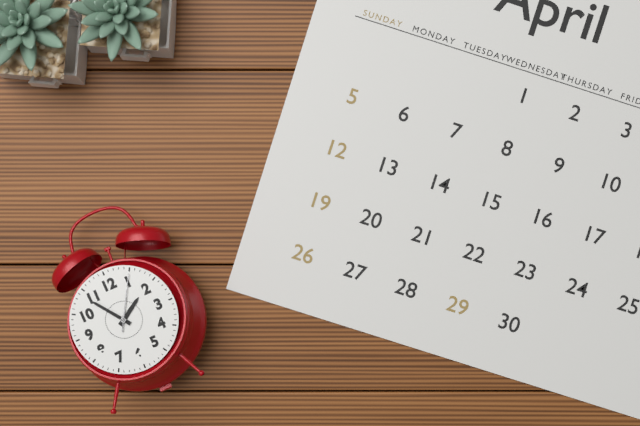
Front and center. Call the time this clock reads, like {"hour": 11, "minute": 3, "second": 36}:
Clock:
{"hour": 1, "minute": 54, "second": 5}
